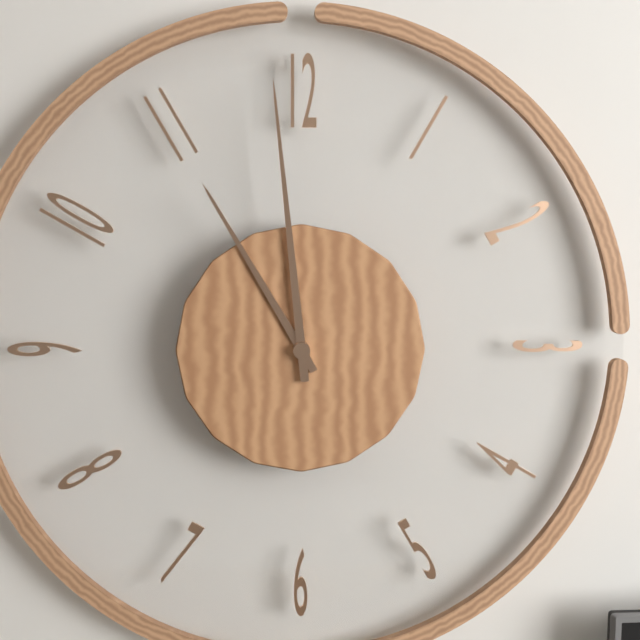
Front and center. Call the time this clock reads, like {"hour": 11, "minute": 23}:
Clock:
{"hour": 10, "minute": 59}
